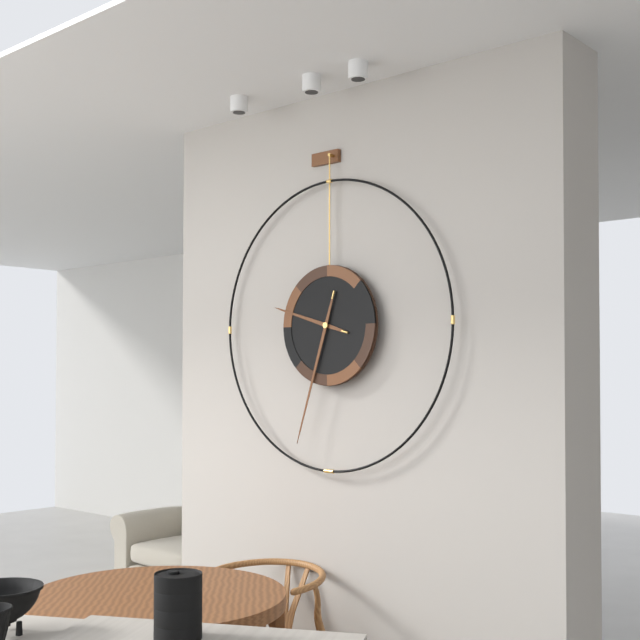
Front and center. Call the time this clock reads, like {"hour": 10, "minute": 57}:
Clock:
{"hour": 9, "minute": 33}
